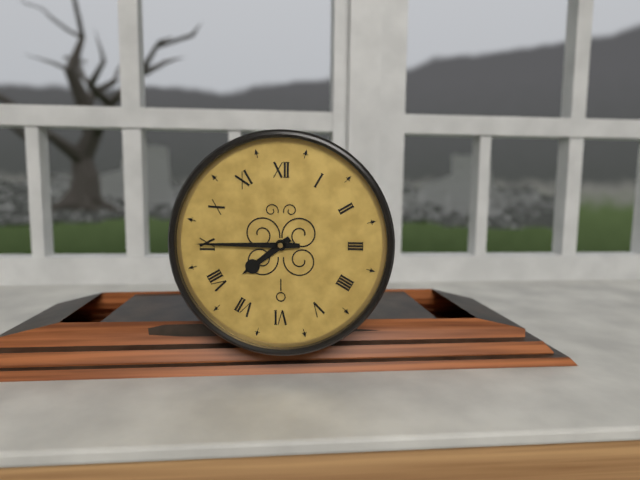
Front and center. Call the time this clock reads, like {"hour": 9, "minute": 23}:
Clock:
{"hour": 7, "minute": 45}
